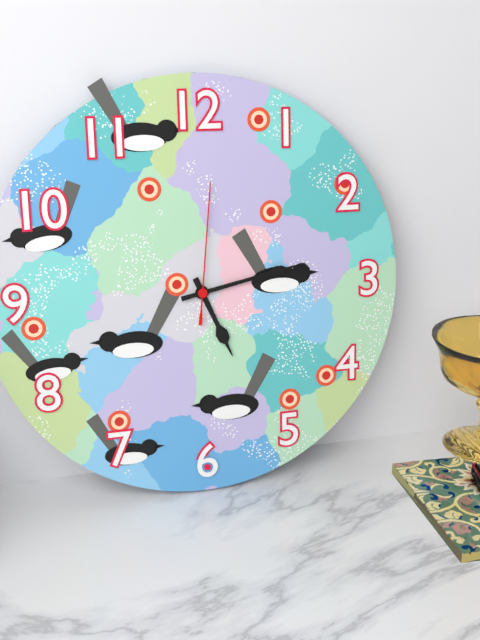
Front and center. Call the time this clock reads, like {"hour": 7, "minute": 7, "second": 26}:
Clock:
{"hour": 5, "minute": 13, "second": 1}
